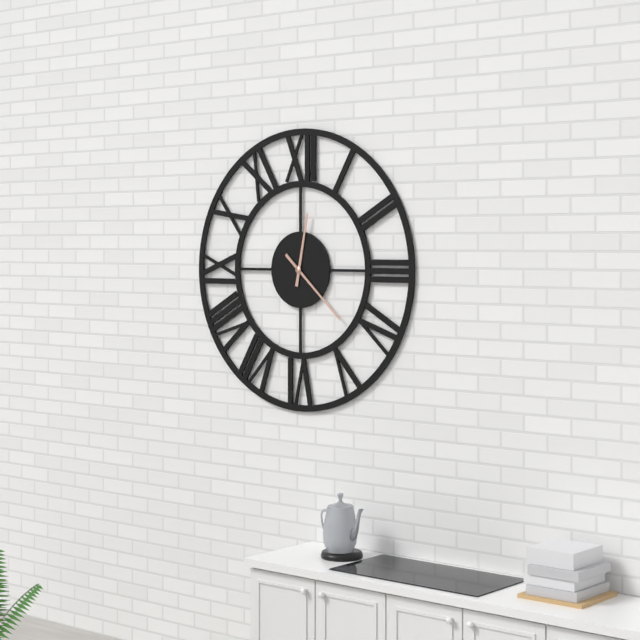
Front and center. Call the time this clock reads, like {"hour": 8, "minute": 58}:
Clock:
{"hour": 12, "minute": 22}
